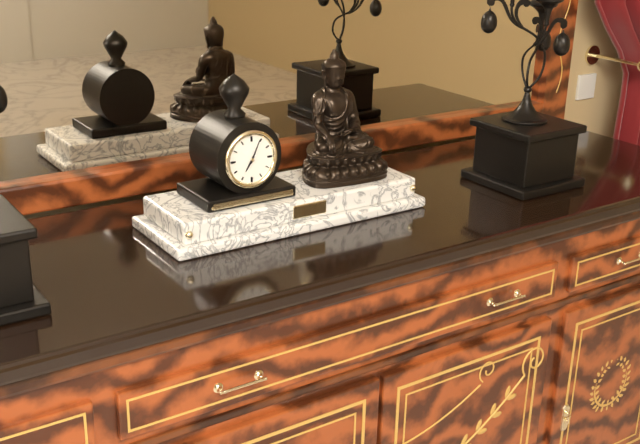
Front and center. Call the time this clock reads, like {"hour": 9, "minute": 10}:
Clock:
{"hour": 7, "minute": 4}
